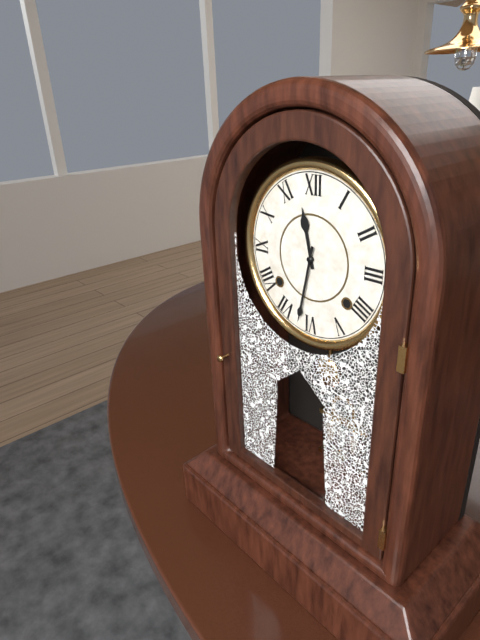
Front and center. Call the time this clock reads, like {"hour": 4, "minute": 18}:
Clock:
{"hour": 11, "minute": 32}
